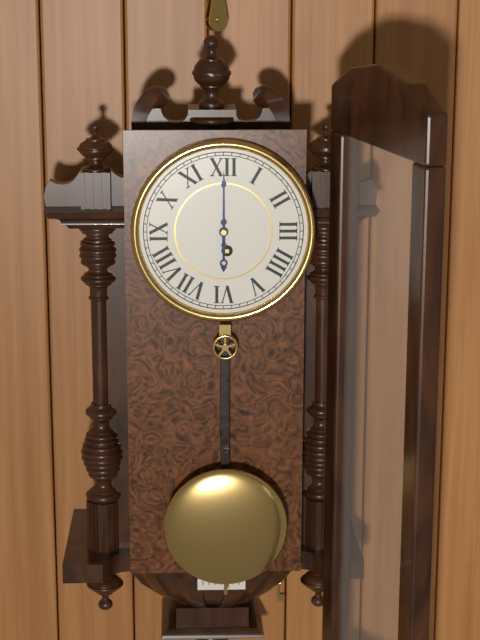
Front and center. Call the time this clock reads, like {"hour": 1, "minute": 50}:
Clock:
{"hour": 6, "minute": 0}
